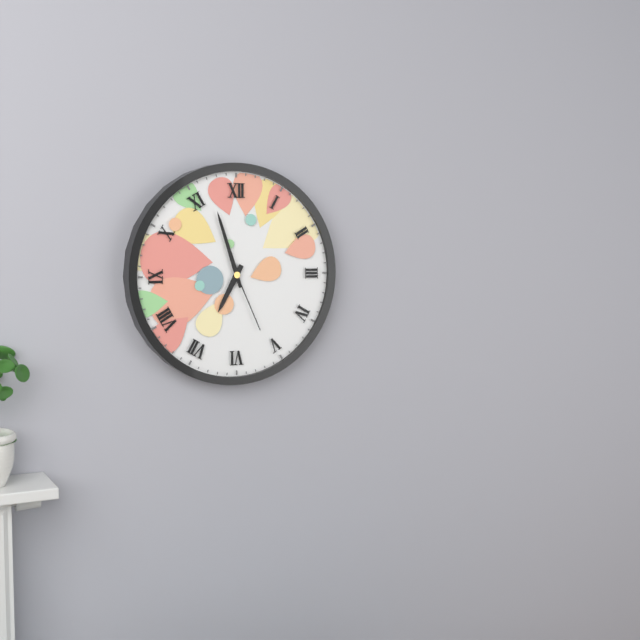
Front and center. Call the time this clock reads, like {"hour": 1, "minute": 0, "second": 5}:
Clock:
{"hour": 6, "minute": 57, "second": 26}
